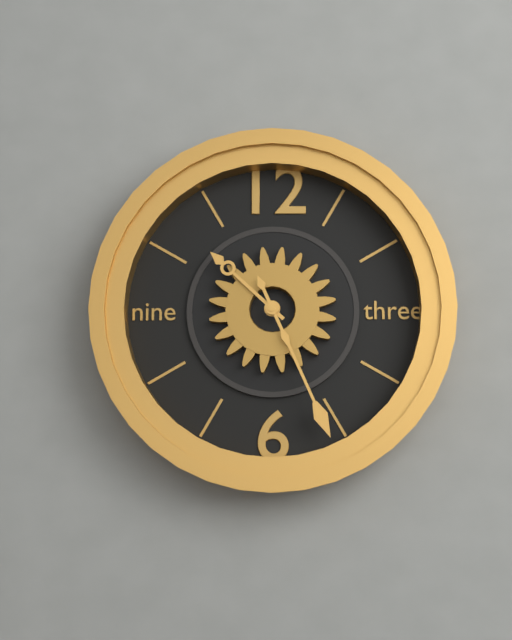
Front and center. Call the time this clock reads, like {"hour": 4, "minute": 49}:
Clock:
{"hour": 10, "minute": 26}
